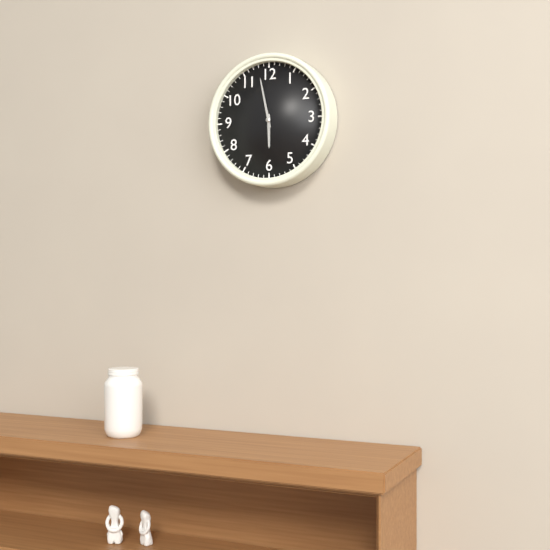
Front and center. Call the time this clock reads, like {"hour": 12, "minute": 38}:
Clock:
{"hour": 5, "minute": 58}
